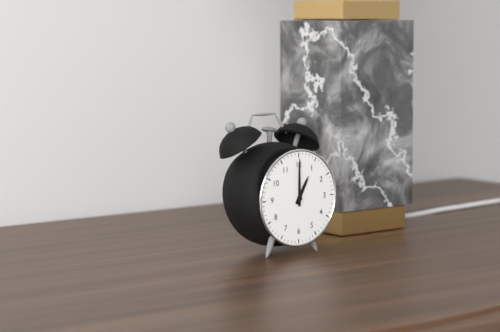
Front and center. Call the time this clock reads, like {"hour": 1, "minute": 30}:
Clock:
{"hour": 1, "minute": 0}
